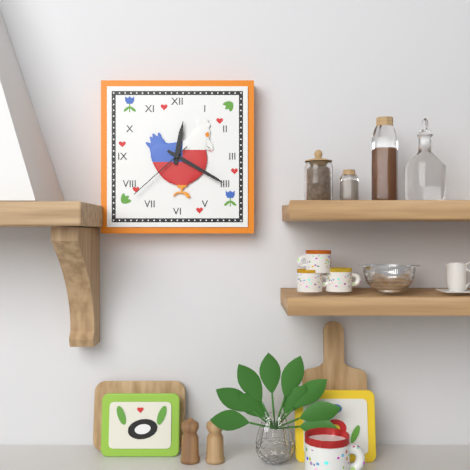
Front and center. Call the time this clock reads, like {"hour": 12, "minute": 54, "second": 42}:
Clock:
{"hour": 12, "minute": 20, "second": 38}
